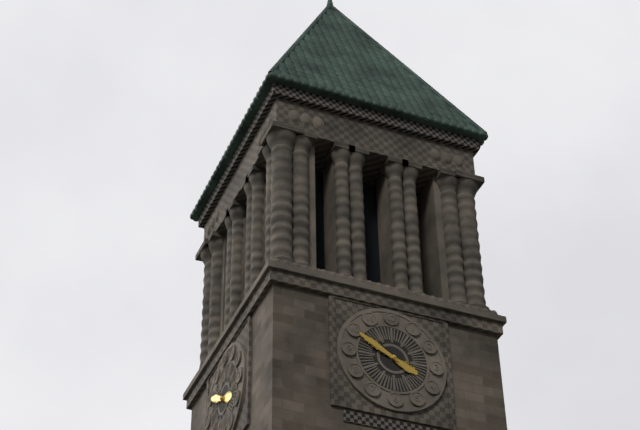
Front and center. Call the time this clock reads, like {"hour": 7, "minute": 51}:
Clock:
{"hour": 3, "minute": 50}
